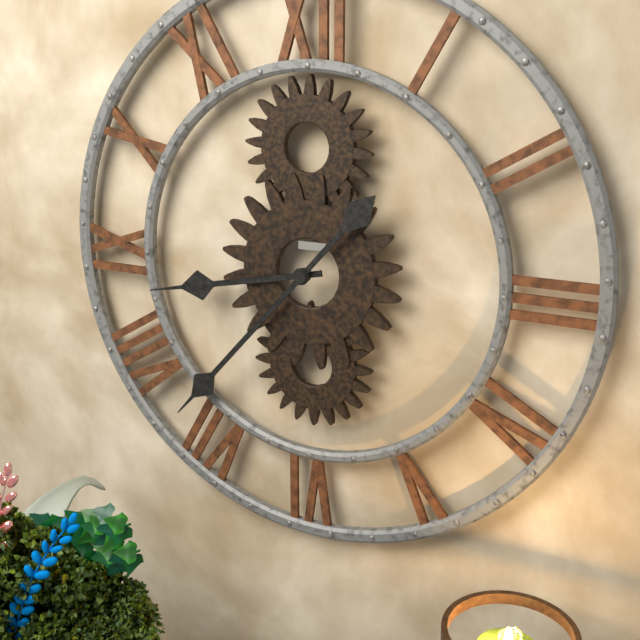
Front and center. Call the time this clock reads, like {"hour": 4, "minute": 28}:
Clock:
{"hour": 8, "minute": 37}
